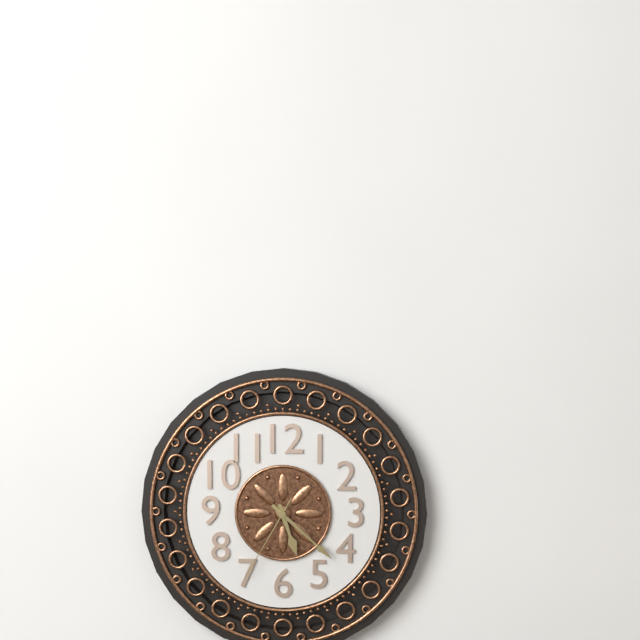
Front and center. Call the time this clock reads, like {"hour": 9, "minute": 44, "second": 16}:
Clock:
{"hour": 5, "minute": 22, "second": 35}
